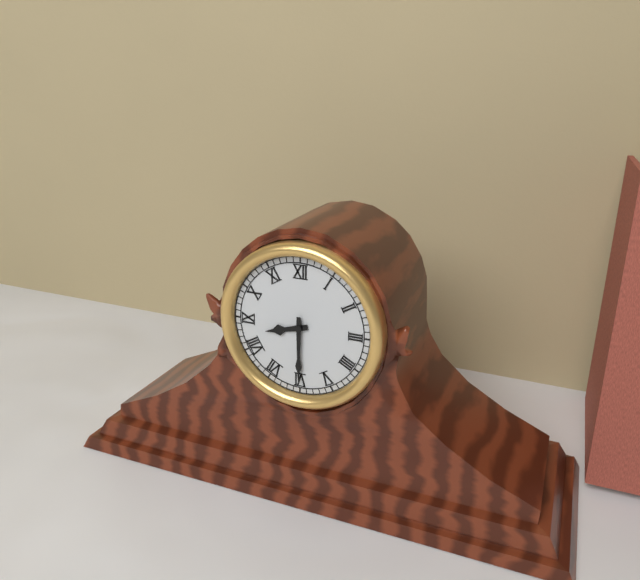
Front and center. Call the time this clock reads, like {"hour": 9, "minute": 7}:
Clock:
{"hour": 8, "minute": 30}
